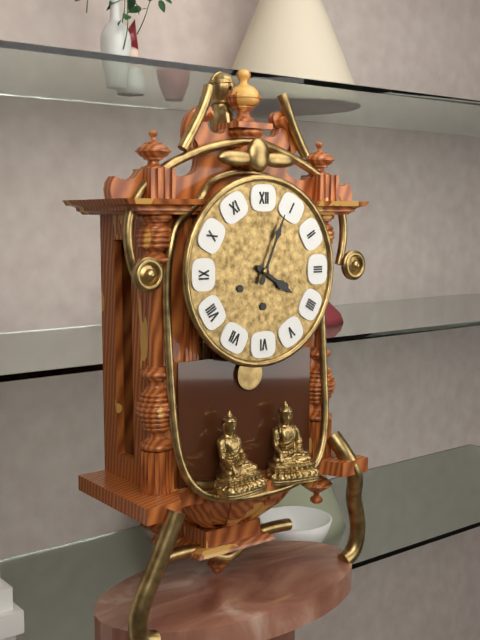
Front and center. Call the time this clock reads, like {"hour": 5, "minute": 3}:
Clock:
{"hour": 4, "minute": 4}
